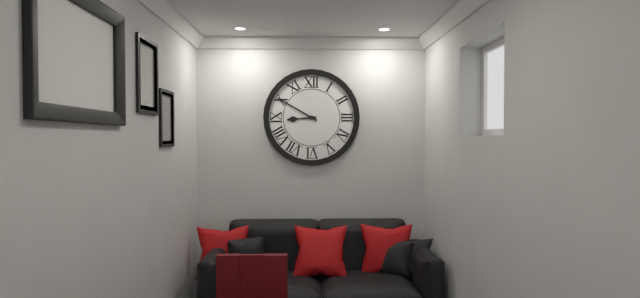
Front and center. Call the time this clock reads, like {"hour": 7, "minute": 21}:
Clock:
{"hour": 8, "minute": 50}
